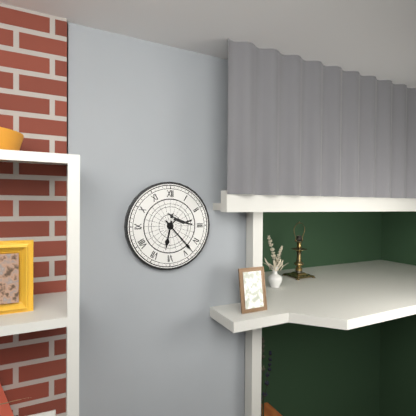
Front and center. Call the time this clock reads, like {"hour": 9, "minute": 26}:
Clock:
{"hour": 6, "minute": 23}
